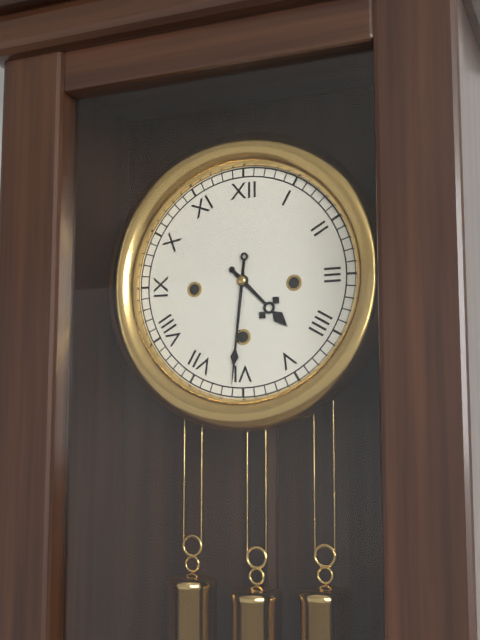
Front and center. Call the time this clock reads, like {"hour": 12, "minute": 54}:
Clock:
{"hour": 4, "minute": 31}
